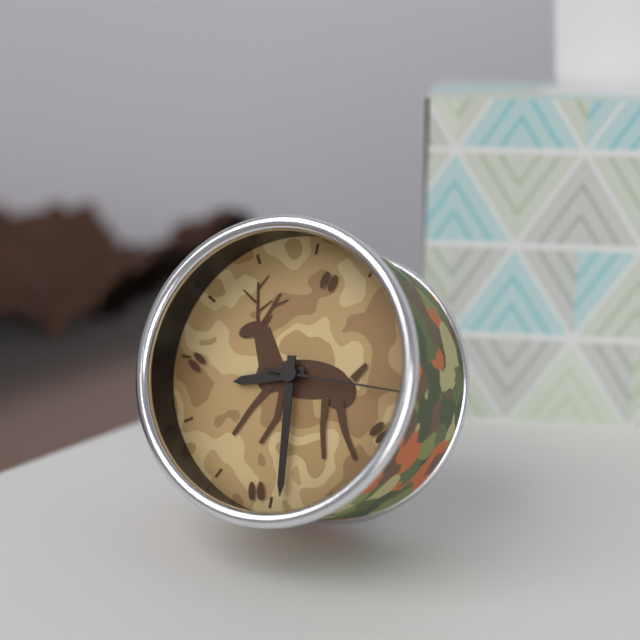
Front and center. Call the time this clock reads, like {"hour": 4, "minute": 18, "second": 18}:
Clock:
{"hour": 8, "minute": 29, "second": 15}
